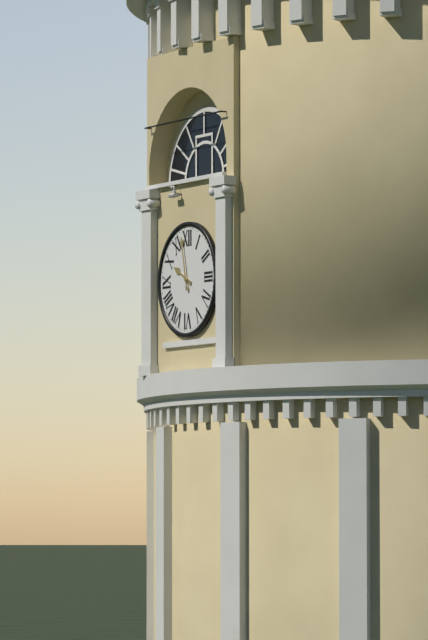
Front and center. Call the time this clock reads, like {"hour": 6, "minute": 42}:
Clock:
{"hour": 9, "minute": 58}
